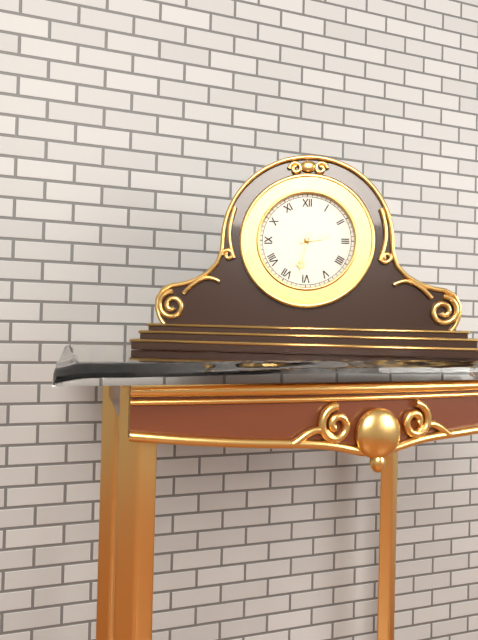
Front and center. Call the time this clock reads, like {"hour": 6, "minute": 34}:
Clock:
{"hour": 2, "minute": 32}
